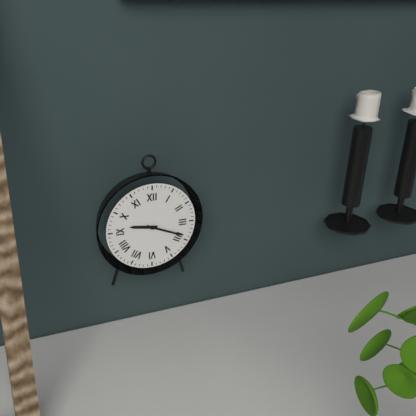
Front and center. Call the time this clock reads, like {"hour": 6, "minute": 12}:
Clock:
{"hour": 9, "minute": 19}
